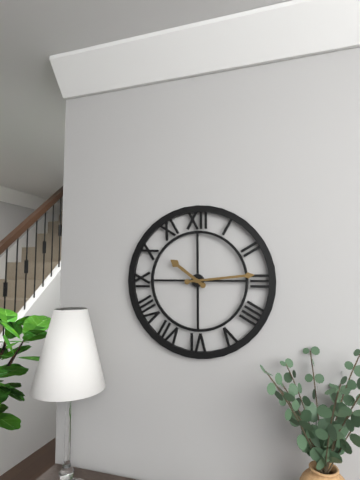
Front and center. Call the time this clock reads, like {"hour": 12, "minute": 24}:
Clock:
{"hour": 10, "minute": 14}
